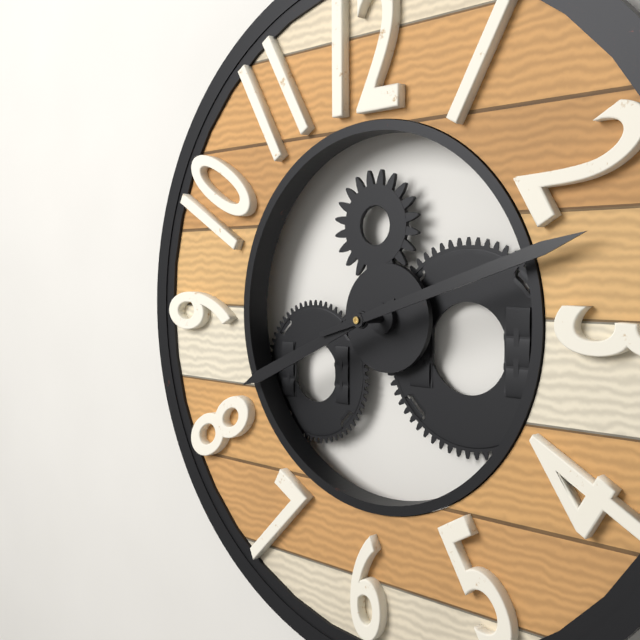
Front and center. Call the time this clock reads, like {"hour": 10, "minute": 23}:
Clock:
{"hour": 8, "minute": 12}
